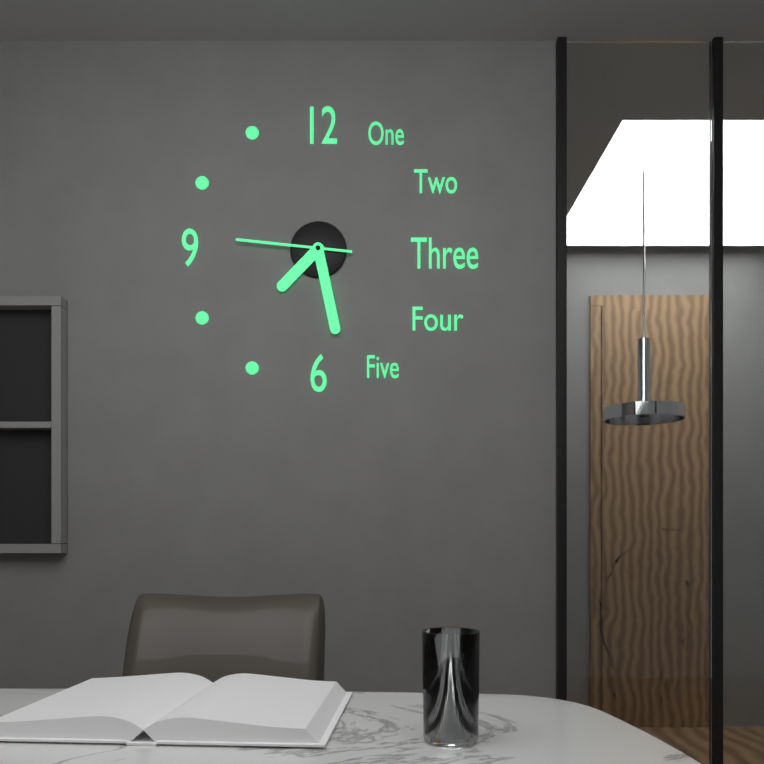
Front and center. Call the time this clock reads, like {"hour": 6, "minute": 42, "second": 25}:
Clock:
{"hour": 7, "minute": 28, "second": 46}
